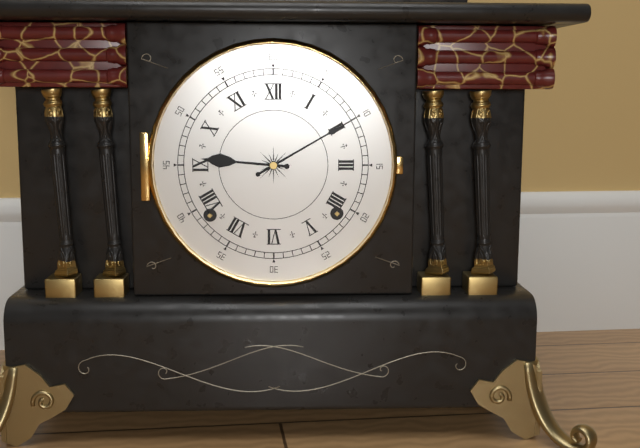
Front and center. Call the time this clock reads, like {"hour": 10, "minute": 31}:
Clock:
{"hour": 9, "minute": 10}
